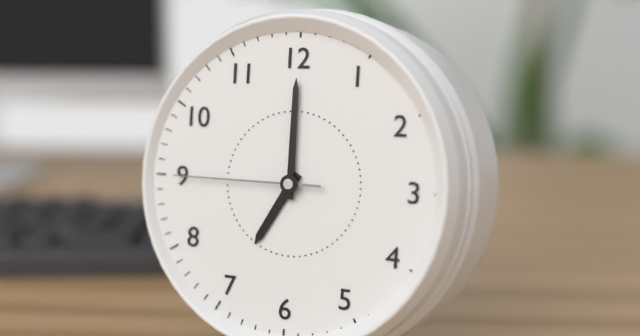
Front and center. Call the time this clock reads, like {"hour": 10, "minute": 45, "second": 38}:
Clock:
{"hour": 7, "minute": 0, "second": 45}
